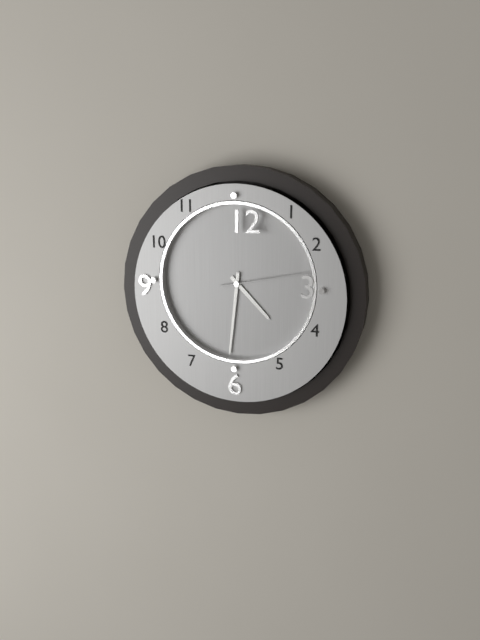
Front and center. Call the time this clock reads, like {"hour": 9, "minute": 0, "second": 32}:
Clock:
{"hour": 4, "minute": 31, "second": 13}
